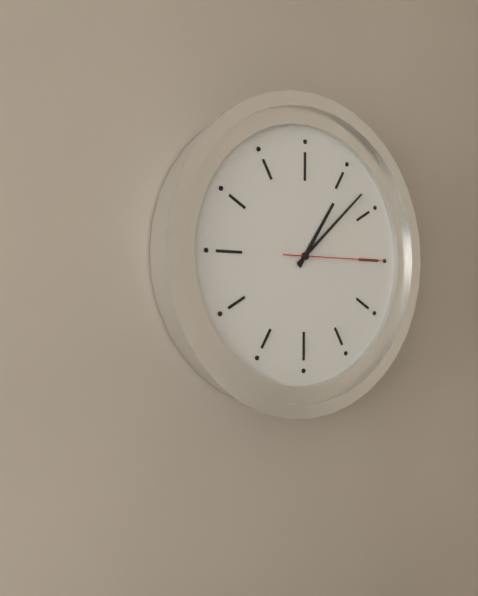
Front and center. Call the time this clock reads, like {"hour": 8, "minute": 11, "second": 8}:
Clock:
{"hour": 1, "minute": 8, "second": 15}
